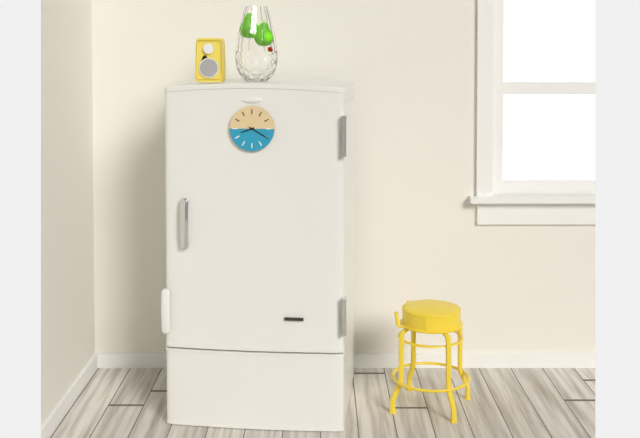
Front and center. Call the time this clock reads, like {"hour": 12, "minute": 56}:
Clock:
{"hour": 8, "minute": 20}
